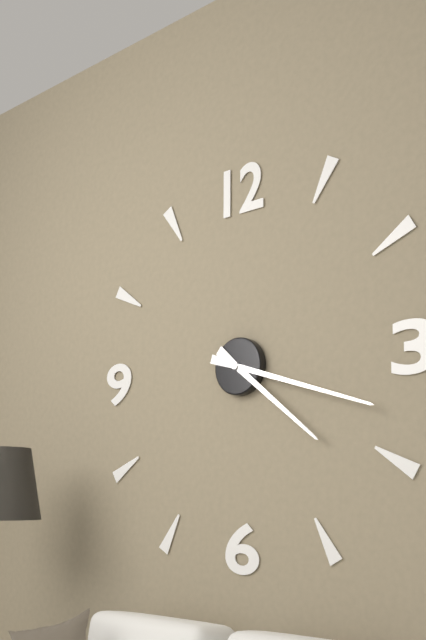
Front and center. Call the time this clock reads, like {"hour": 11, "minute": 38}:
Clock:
{"hour": 4, "minute": 18}
